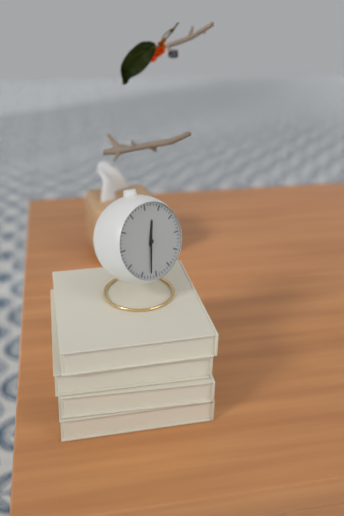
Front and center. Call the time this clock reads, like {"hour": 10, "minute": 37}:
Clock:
{"hour": 12, "minute": 32}
